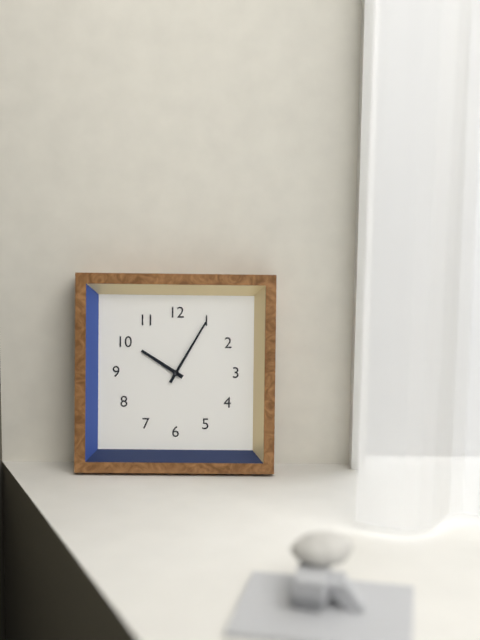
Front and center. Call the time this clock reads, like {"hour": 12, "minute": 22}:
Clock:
{"hour": 10, "minute": 5}
